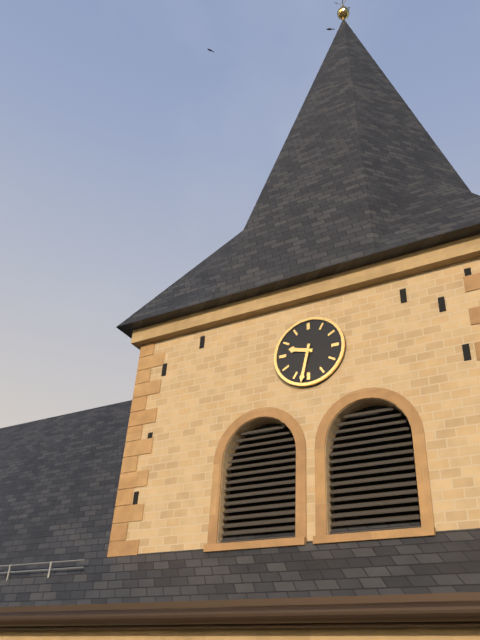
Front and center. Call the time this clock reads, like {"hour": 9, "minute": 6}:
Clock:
{"hour": 9, "minute": 32}
